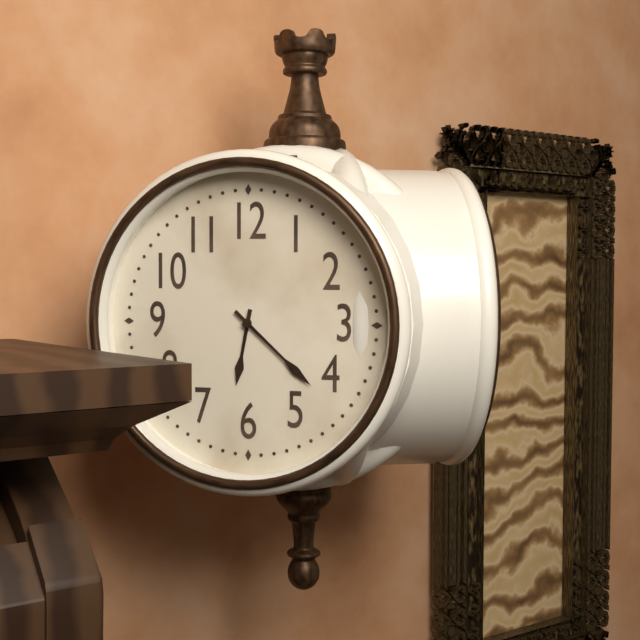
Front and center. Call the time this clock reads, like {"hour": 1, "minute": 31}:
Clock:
{"hour": 6, "minute": 22}
